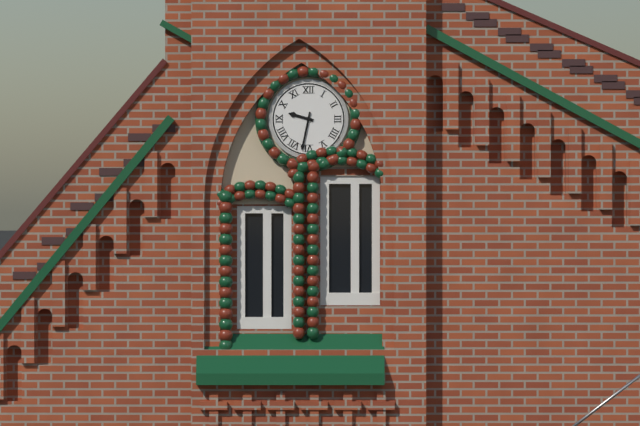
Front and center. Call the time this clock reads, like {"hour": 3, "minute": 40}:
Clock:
{"hour": 9, "minute": 32}
